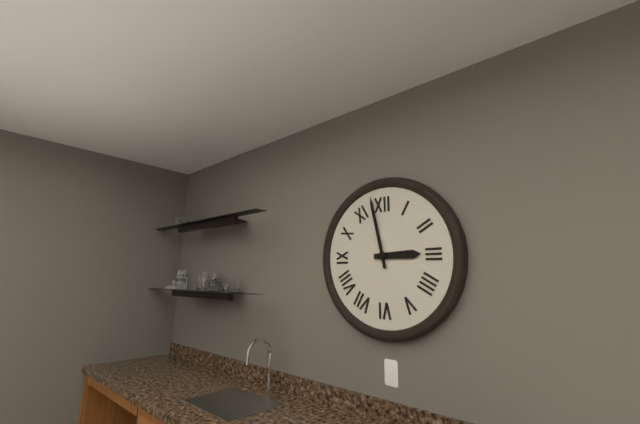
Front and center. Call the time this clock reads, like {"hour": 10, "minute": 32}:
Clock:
{"hour": 2, "minute": 58}
